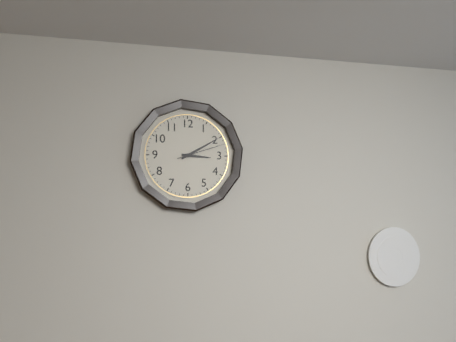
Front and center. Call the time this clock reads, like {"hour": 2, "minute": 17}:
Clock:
{"hour": 3, "minute": 10}
